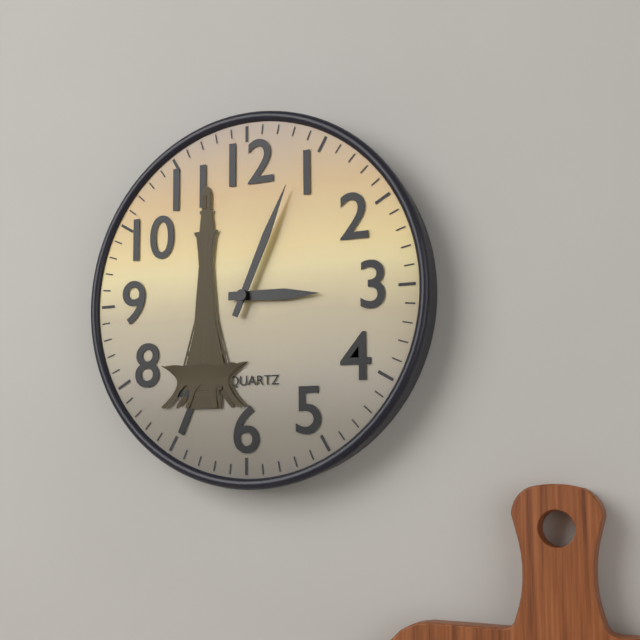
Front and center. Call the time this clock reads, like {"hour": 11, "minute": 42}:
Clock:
{"hour": 3, "minute": 4}
